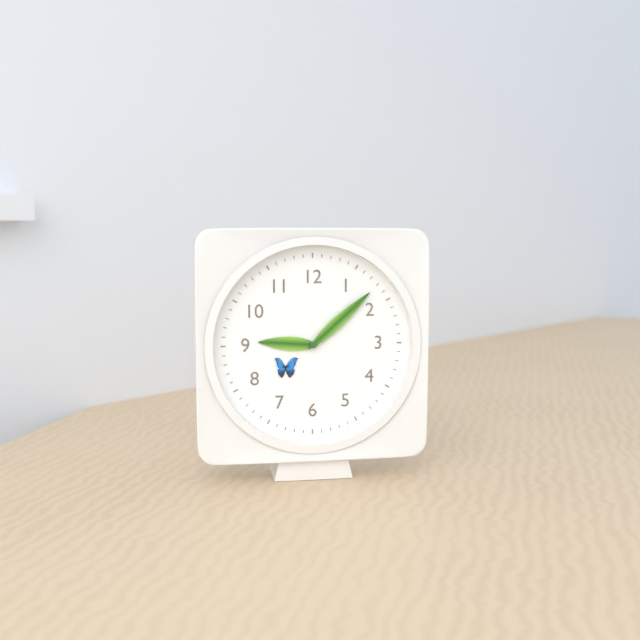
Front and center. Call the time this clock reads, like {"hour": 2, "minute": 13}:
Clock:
{"hour": 9, "minute": 8}
